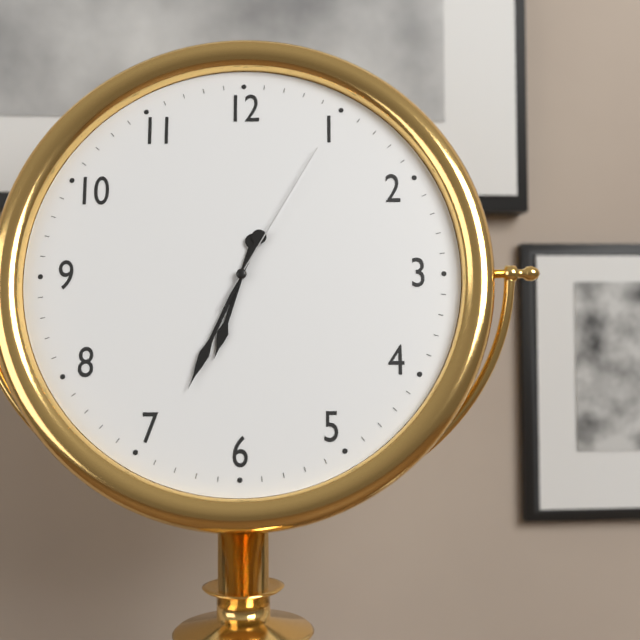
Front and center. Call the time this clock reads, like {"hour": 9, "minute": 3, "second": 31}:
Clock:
{"hour": 6, "minute": 34, "second": 5}
